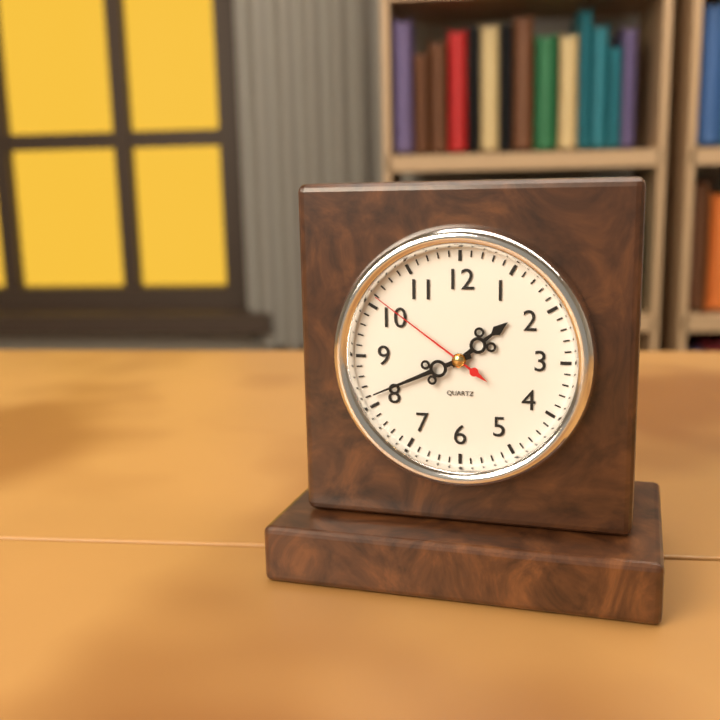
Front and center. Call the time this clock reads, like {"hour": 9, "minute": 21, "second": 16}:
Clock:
{"hour": 1, "minute": 41, "second": 51}
